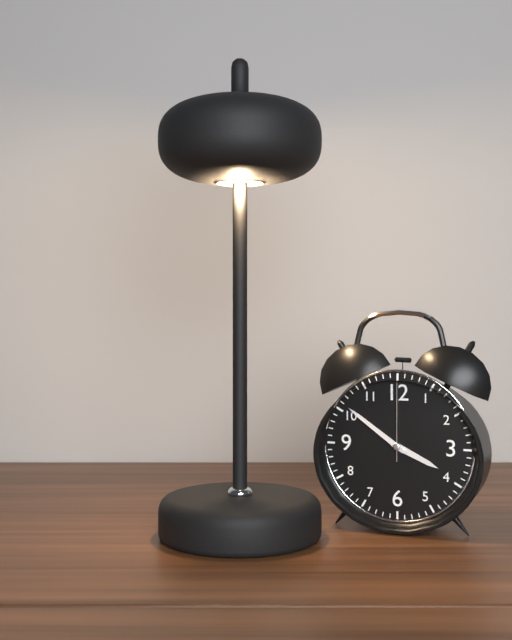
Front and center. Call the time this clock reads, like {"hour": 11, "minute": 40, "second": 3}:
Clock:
{"hour": 3, "minute": 51, "second": 0}
